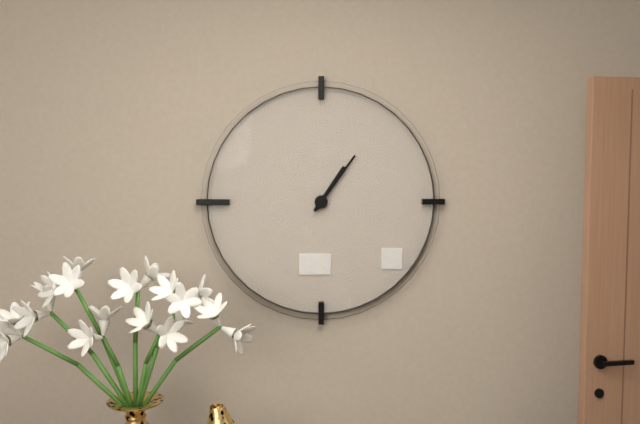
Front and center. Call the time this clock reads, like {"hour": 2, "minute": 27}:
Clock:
{"hour": 1, "minute": 6}
